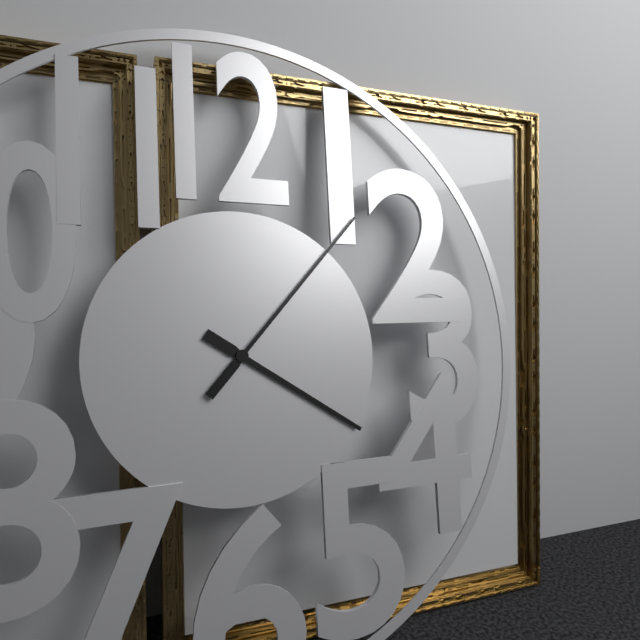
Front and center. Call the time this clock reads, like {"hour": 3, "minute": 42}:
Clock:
{"hour": 4, "minute": 7}
